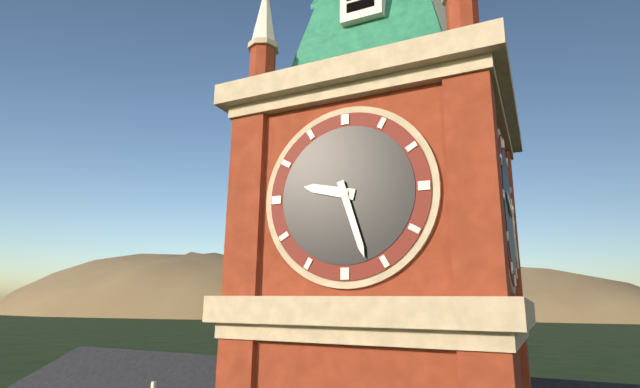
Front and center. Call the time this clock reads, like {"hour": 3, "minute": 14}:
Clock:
{"hour": 9, "minute": 27}
